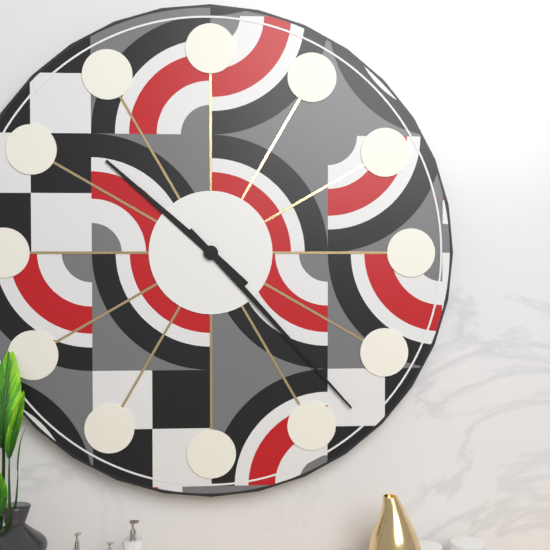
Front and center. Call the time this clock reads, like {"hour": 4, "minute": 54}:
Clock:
{"hour": 10, "minute": 23}
